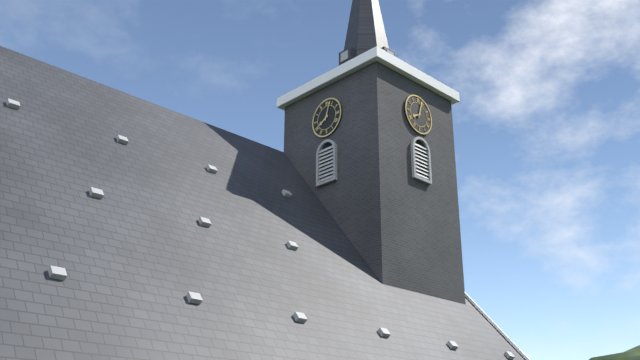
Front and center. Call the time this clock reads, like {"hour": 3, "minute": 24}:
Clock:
{"hour": 8, "minute": 3}
